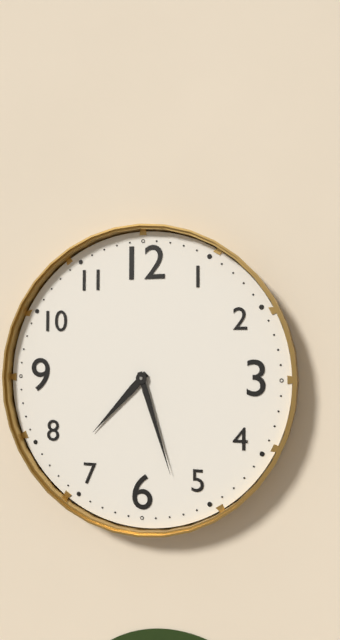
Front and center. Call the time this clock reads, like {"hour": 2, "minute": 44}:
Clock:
{"hour": 7, "minute": 27}
